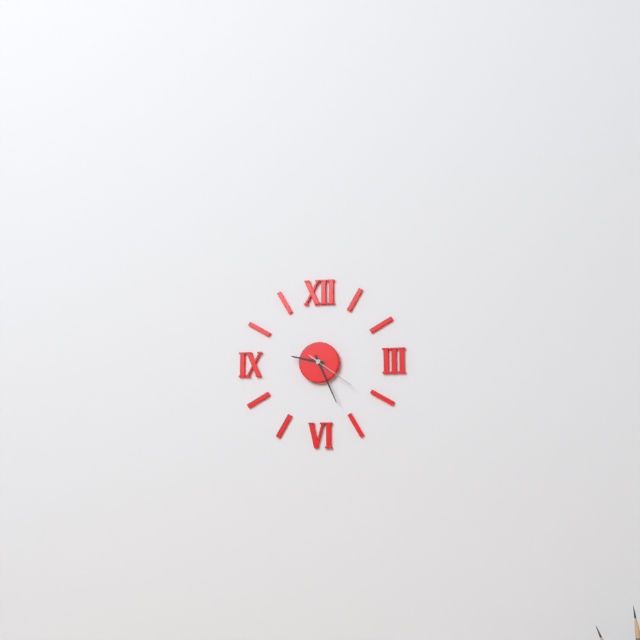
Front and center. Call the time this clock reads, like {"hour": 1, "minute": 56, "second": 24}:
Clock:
{"hour": 9, "minute": 26, "second": 21}
